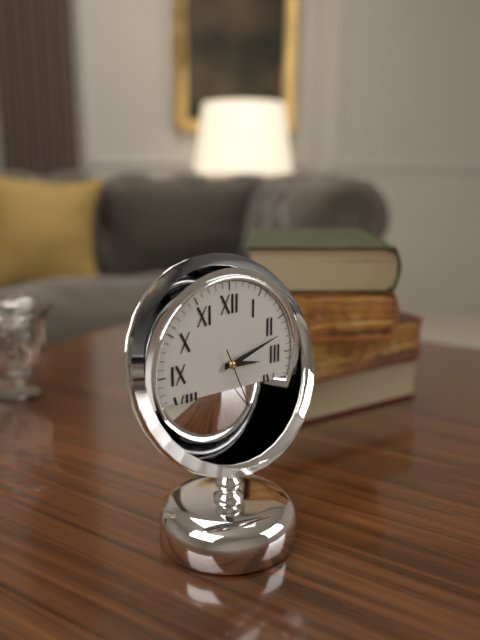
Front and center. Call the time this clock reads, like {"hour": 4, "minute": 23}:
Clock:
{"hour": 3, "minute": 12}
